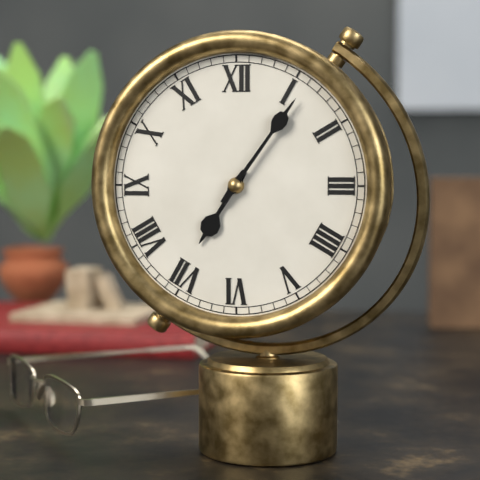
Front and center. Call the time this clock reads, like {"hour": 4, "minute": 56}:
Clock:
{"hour": 7, "minute": 6}
